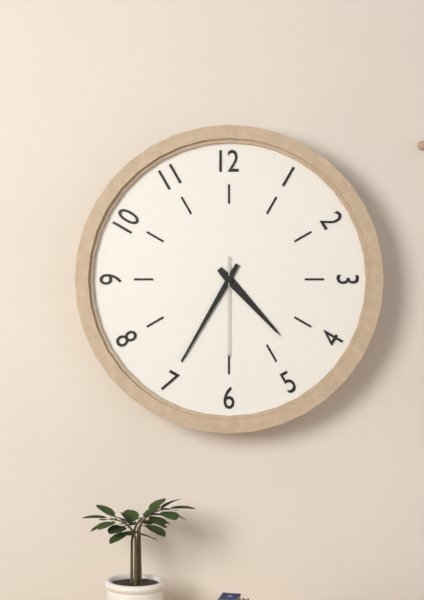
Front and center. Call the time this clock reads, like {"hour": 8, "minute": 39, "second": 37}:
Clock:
{"hour": 4, "minute": 35, "second": 30}
